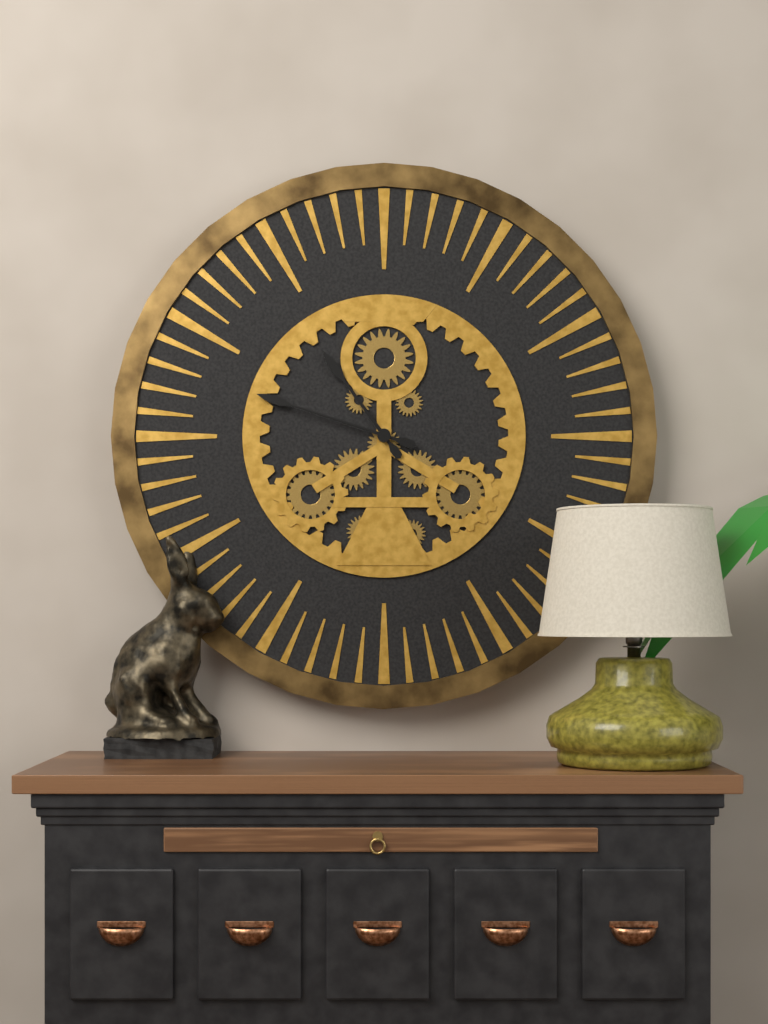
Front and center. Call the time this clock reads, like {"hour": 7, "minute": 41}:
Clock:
{"hour": 10, "minute": 48}
